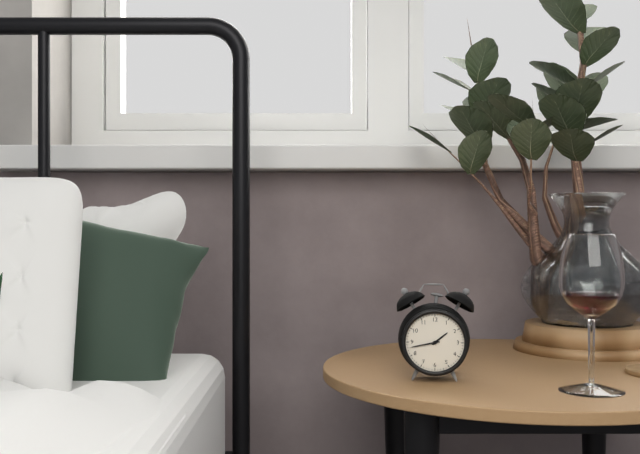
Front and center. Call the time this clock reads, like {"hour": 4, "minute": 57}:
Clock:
{"hour": 1, "minute": 43}
